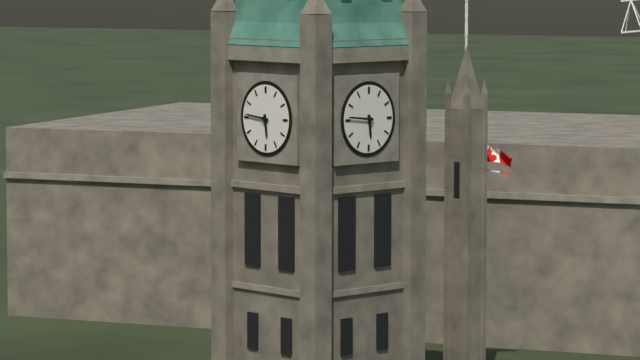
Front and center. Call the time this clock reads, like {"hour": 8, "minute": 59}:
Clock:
{"hour": 5, "minute": 46}
